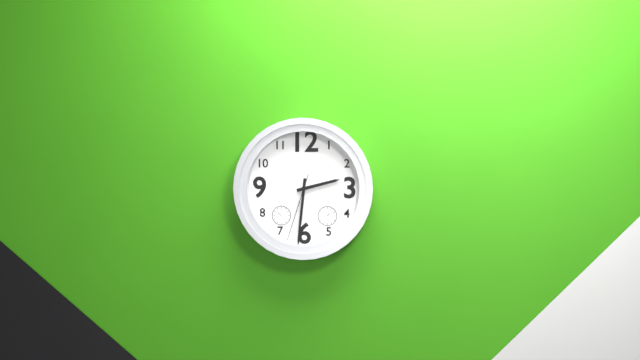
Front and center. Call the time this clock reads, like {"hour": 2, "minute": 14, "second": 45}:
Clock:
{"hour": 2, "minute": 31, "second": 33}
